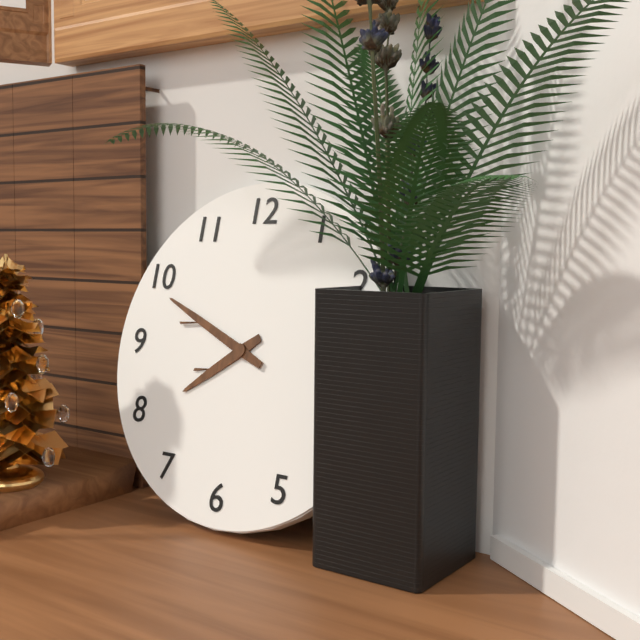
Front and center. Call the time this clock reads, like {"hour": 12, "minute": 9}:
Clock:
{"hour": 7, "minute": 49}
